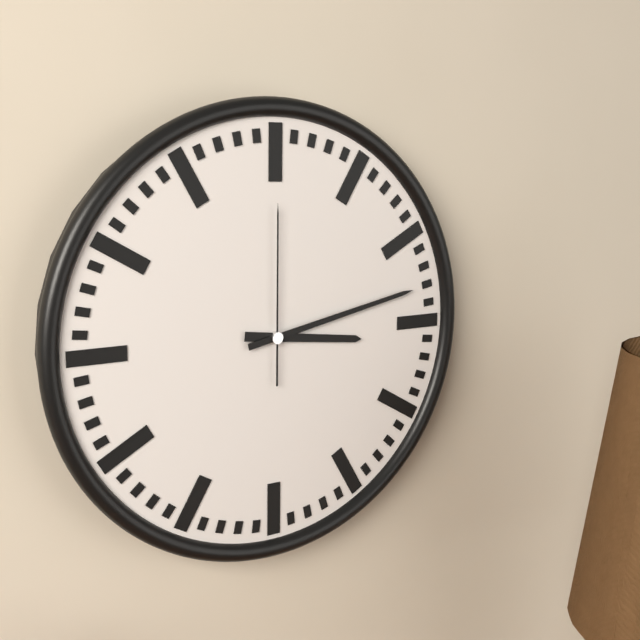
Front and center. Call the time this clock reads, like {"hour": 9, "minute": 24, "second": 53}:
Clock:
{"hour": 3, "minute": 13, "second": 0}
